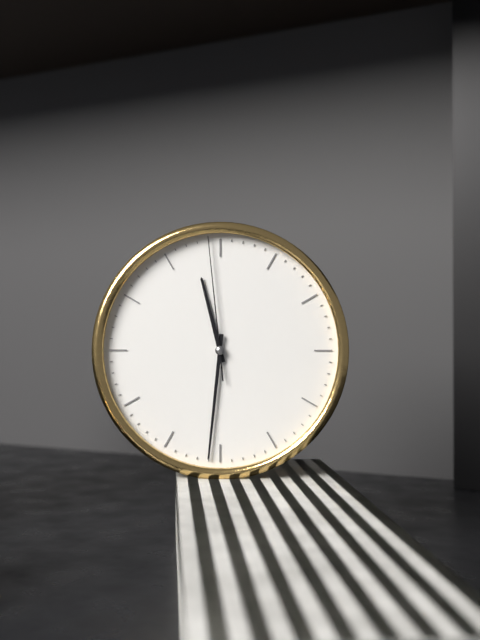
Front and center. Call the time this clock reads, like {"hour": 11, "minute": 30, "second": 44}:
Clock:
{"hour": 11, "minute": 31, "second": 59}
